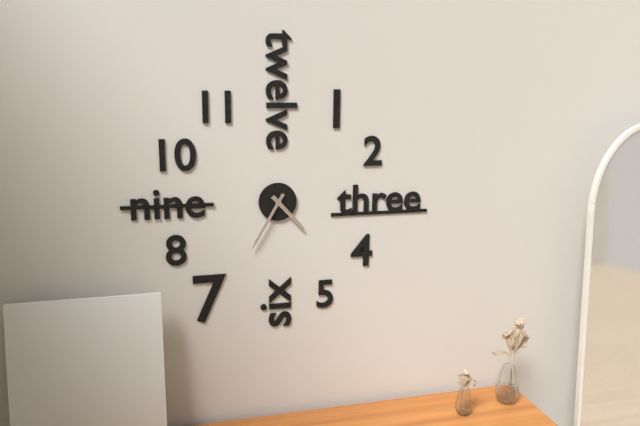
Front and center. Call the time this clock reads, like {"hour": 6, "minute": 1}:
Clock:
{"hour": 4, "minute": 35}
